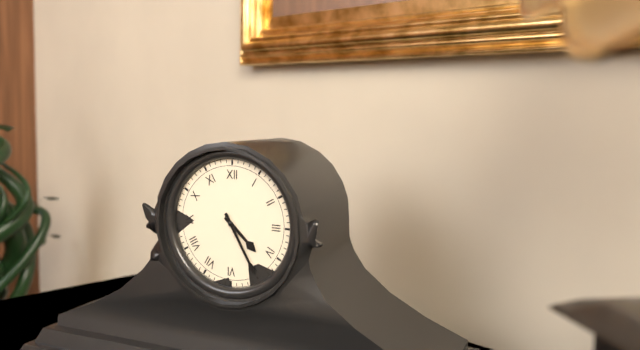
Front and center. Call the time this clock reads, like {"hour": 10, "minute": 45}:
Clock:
{"hour": 4, "minute": 25}
